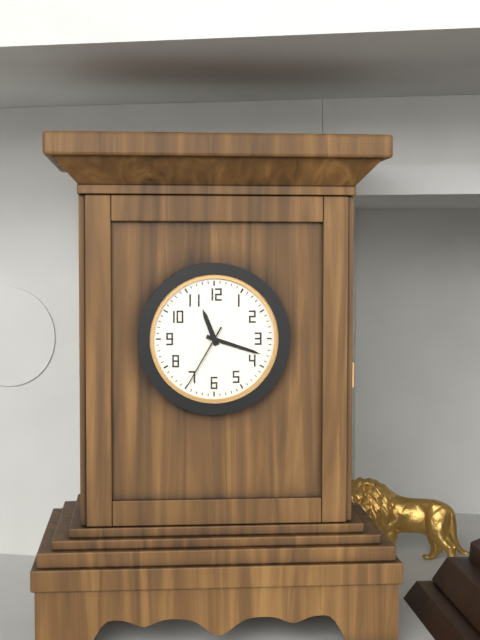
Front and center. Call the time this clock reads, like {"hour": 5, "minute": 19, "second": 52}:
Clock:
{"hour": 11, "minute": 18, "second": 35}
